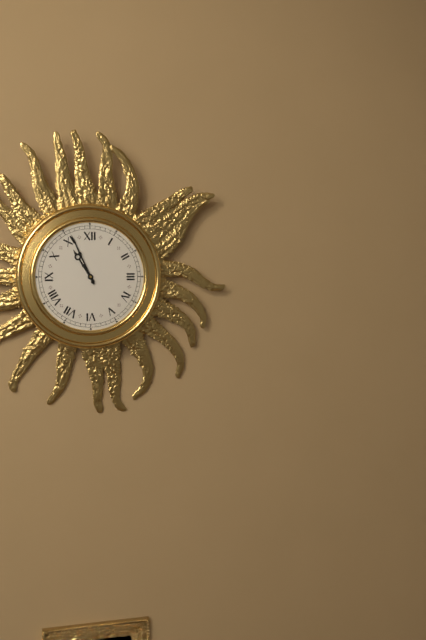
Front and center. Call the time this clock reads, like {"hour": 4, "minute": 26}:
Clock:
{"hour": 10, "minute": 56}
